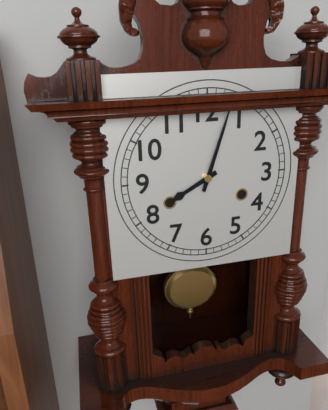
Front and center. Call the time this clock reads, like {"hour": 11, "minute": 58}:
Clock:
{"hour": 8, "minute": 3}
